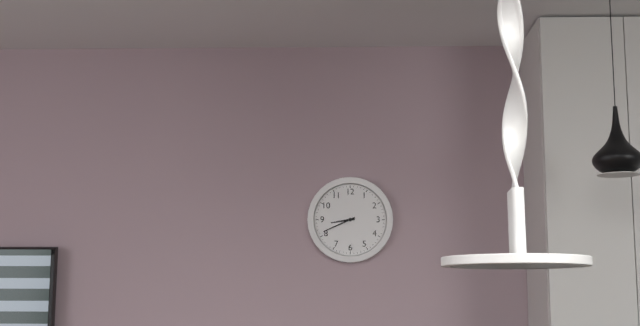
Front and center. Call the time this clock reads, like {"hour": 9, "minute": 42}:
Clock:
{"hour": 8, "minute": 41}
